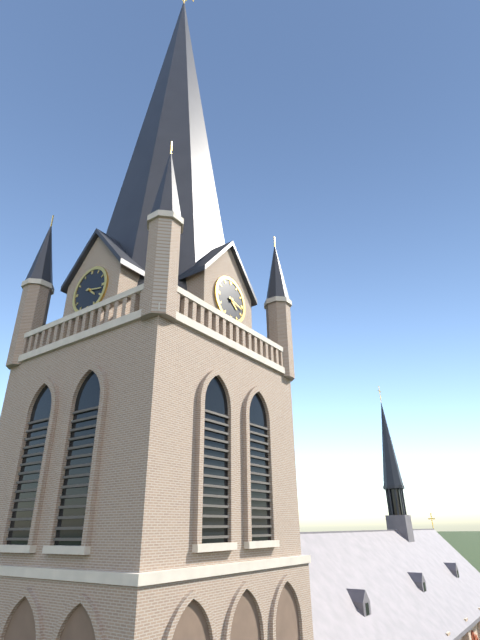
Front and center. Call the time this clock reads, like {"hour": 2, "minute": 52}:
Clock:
{"hour": 4, "minute": 17}
